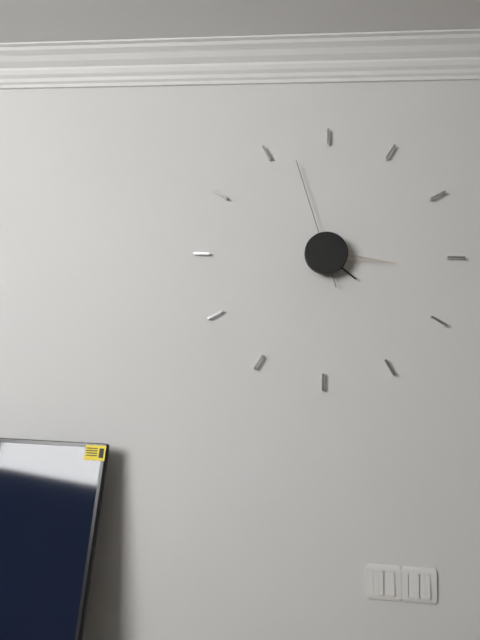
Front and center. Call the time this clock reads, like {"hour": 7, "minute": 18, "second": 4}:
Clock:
{"hour": 4, "minute": 16, "second": 57}
